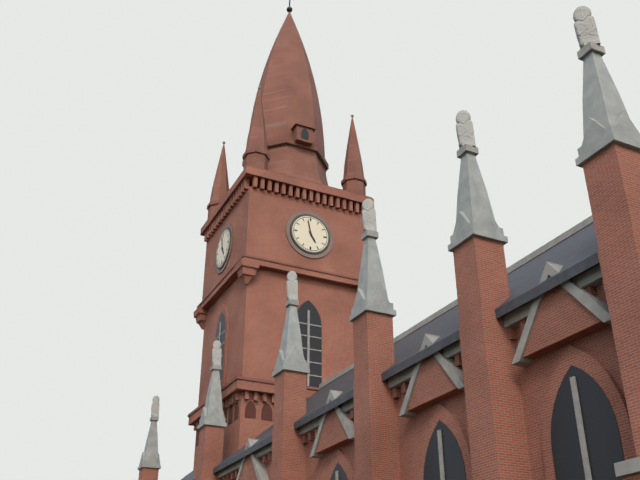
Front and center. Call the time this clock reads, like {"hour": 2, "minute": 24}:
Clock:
{"hour": 4, "minute": 58}
